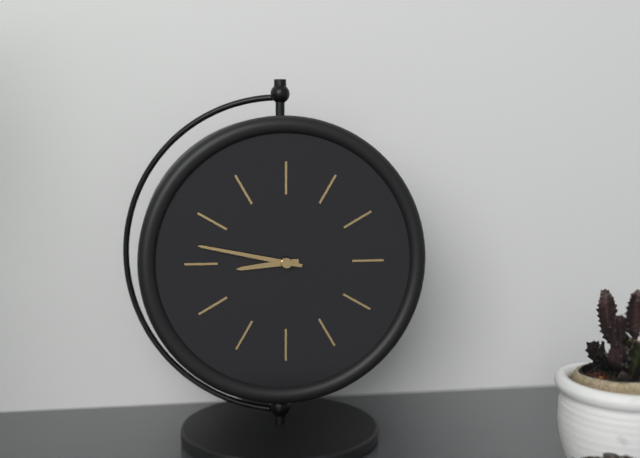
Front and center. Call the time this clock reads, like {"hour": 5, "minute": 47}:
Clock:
{"hour": 8, "minute": 47}
